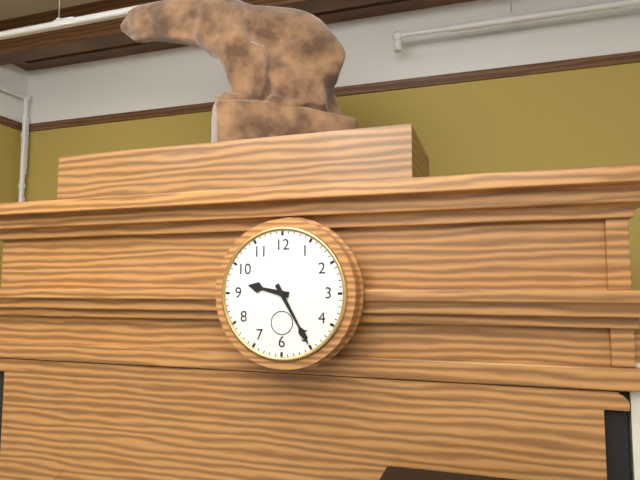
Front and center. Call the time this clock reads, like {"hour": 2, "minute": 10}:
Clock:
{"hour": 9, "minute": 25}
